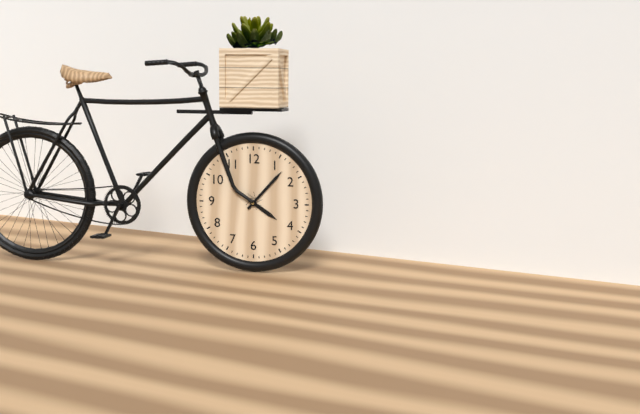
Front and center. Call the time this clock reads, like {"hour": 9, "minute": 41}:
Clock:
{"hour": 4, "minute": 7}
